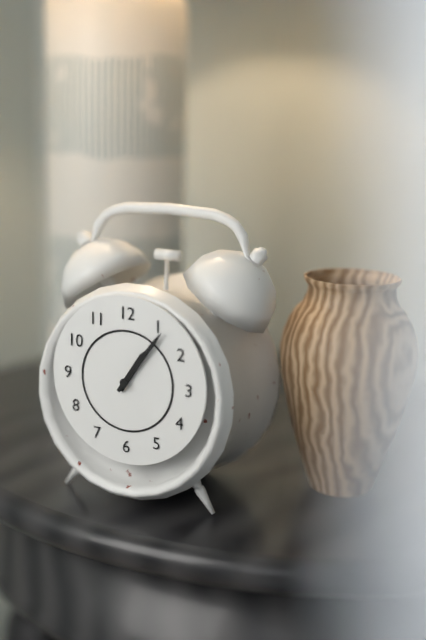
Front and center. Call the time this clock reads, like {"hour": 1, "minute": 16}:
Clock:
{"hour": 1, "minute": 6}
